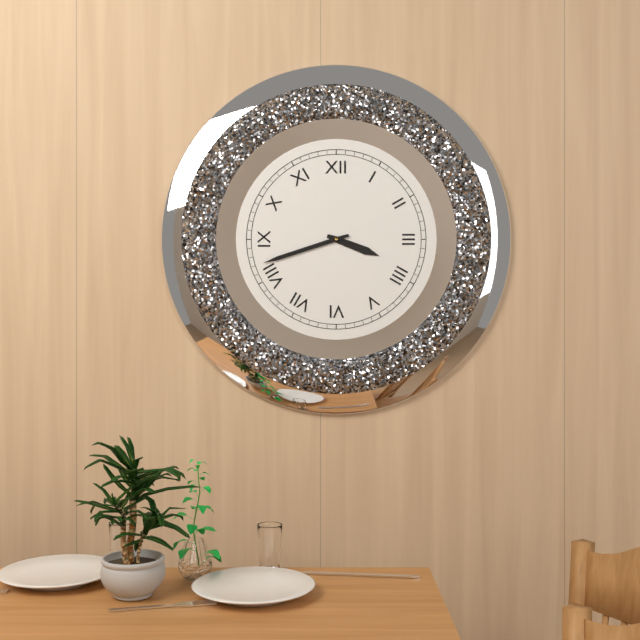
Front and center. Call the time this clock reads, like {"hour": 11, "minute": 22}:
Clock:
{"hour": 3, "minute": 42}
